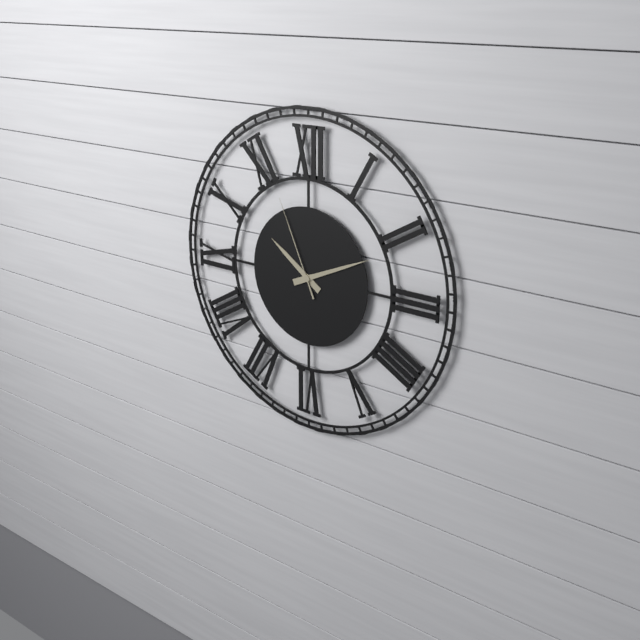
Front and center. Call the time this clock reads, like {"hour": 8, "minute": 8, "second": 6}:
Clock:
{"hour": 10, "minute": 11, "second": 56}
